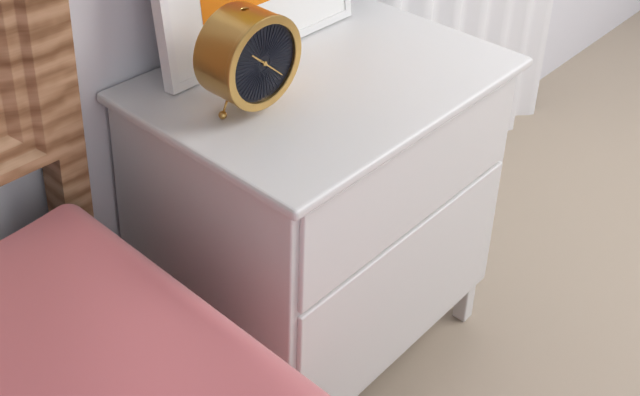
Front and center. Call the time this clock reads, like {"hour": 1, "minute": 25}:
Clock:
{"hour": 10, "minute": 22}
